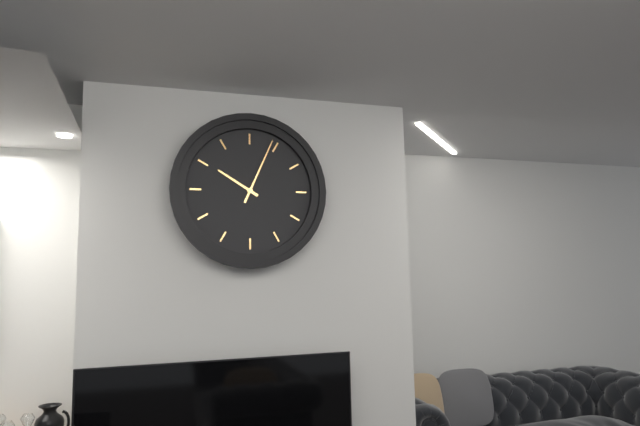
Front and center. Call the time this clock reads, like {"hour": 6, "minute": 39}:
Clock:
{"hour": 10, "minute": 4}
